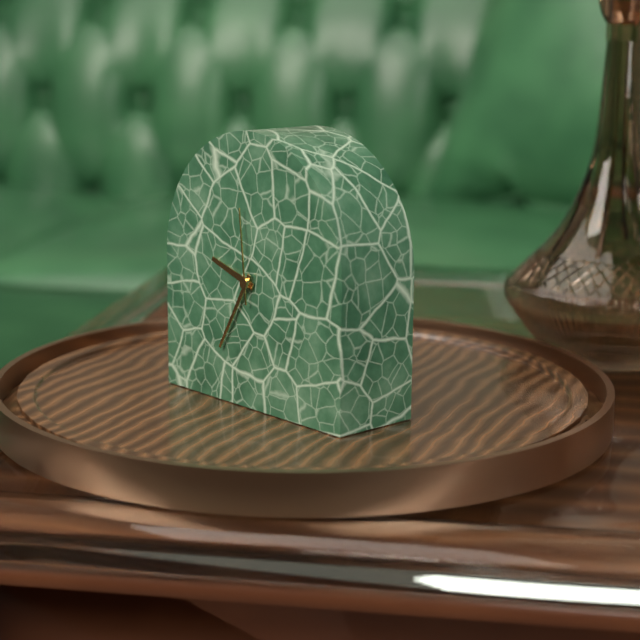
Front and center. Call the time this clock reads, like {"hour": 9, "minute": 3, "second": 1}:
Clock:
{"hour": 9, "minute": 35, "second": 59}
